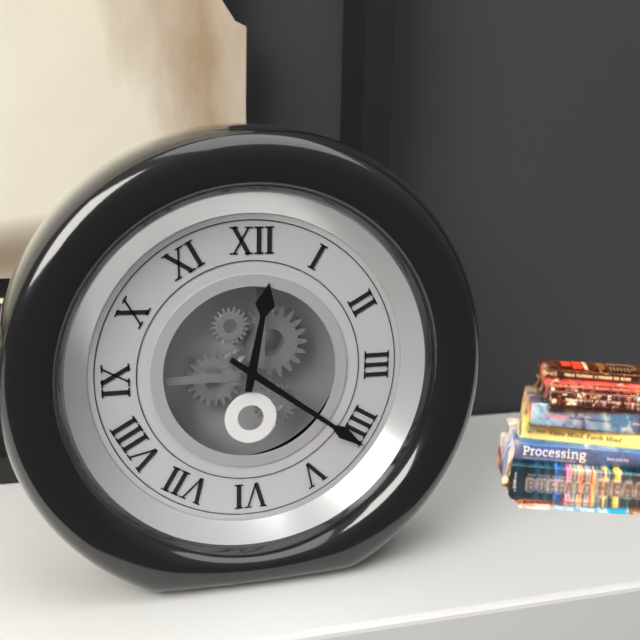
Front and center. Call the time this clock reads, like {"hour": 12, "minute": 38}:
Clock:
{"hour": 12, "minute": 21}
